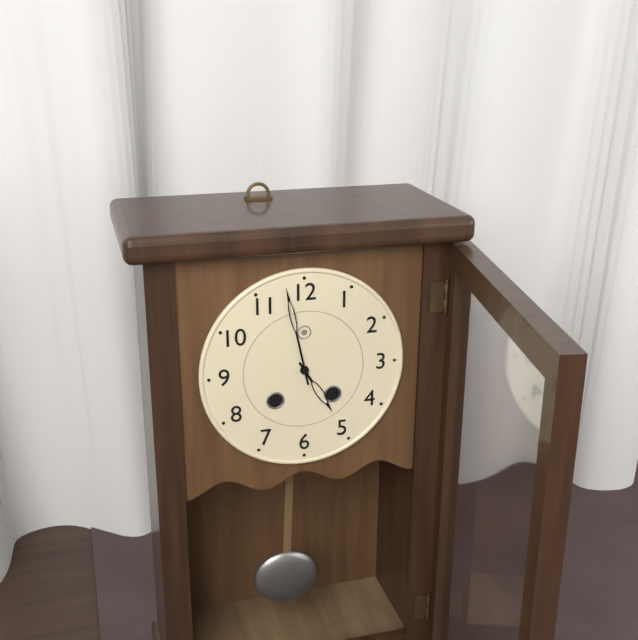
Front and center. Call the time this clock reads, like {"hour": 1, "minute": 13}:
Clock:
{"hour": 4, "minute": 58}
